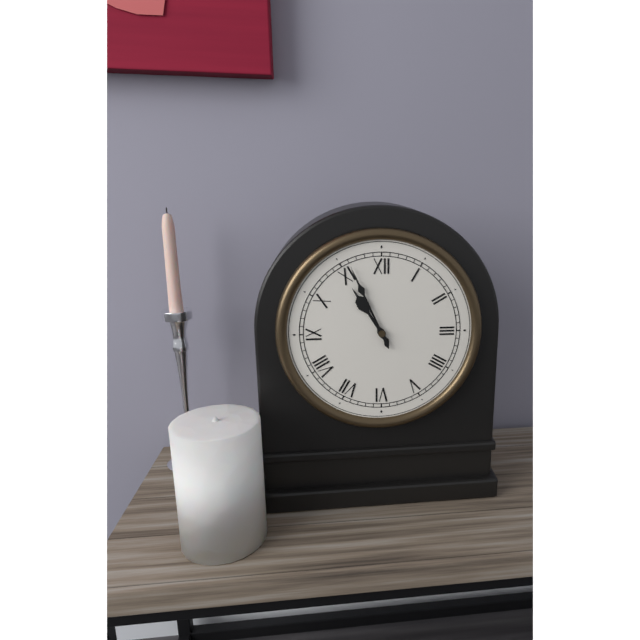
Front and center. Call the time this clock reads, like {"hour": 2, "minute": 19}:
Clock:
{"hour": 10, "minute": 56}
